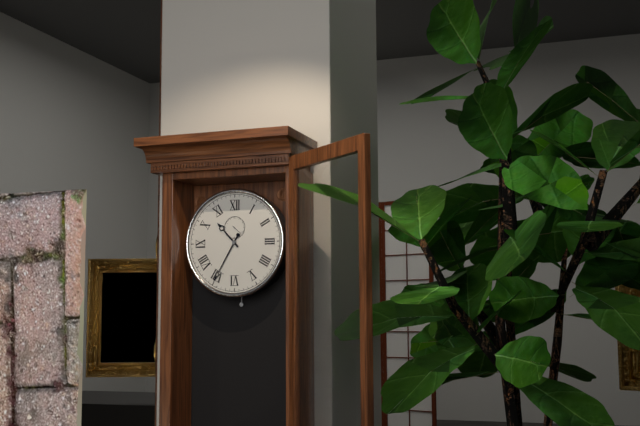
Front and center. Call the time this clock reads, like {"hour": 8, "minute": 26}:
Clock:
{"hour": 10, "minute": 35}
